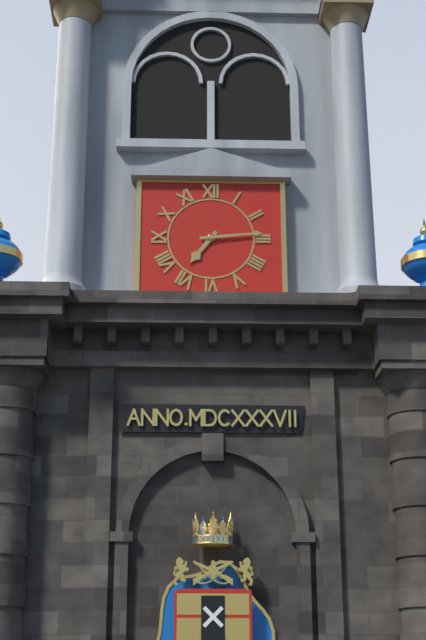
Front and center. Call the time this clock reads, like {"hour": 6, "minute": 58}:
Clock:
{"hour": 7, "minute": 14}
